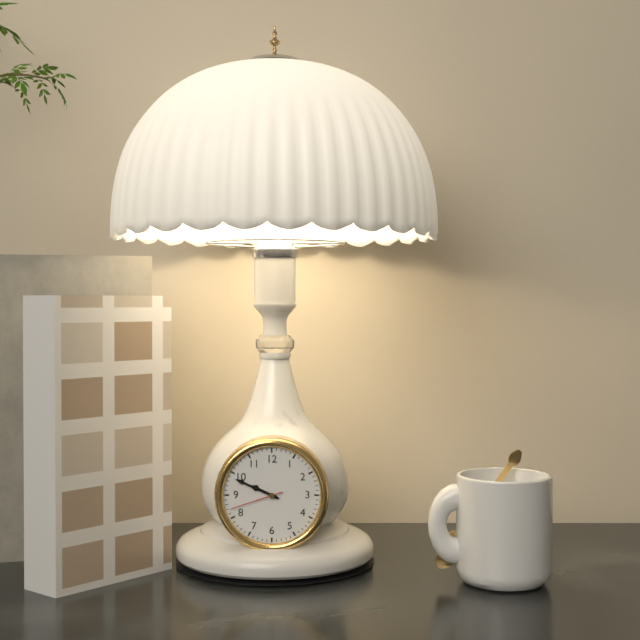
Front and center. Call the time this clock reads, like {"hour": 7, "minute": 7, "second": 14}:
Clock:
{"hour": 9, "minute": 49, "second": 42}
